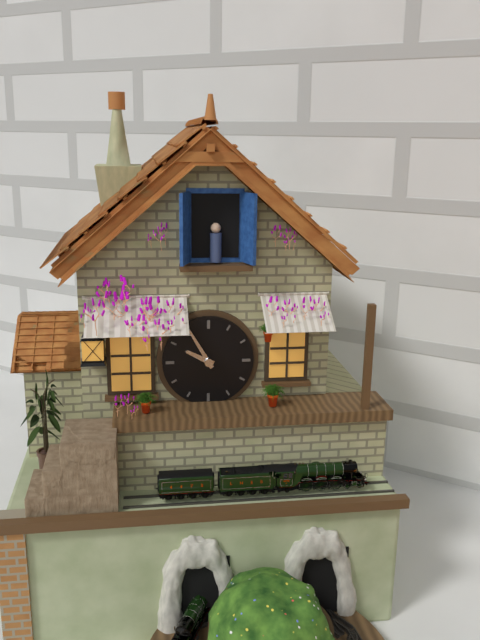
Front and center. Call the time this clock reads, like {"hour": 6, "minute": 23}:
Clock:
{"hour": 9, "minute": 55}
